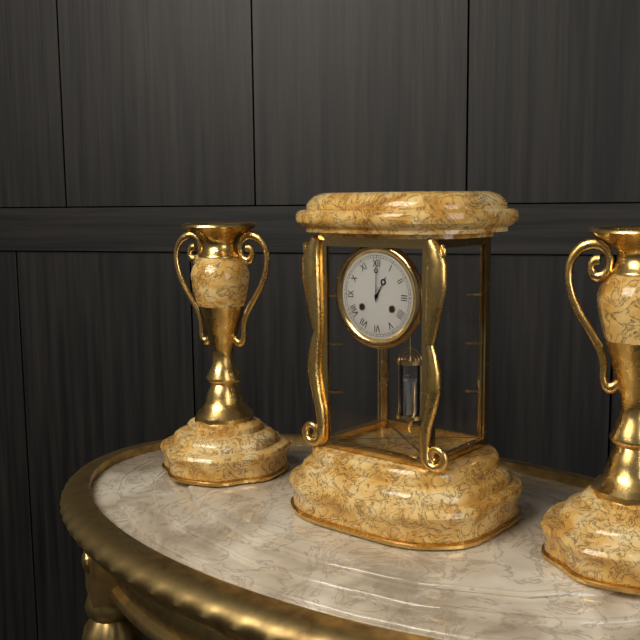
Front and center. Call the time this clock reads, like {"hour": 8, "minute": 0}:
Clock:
{"hour": 1, "minute": 0}
